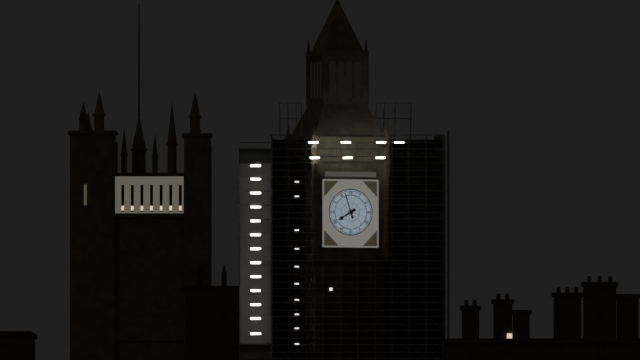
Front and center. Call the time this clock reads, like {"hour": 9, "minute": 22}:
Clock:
{"hour": 7, "minute": 57}
